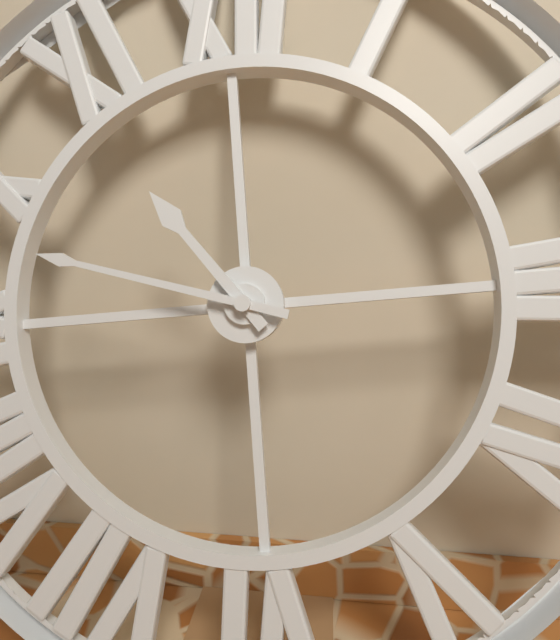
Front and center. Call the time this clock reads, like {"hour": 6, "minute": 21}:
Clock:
{"hour": 10, "minute": 48}
